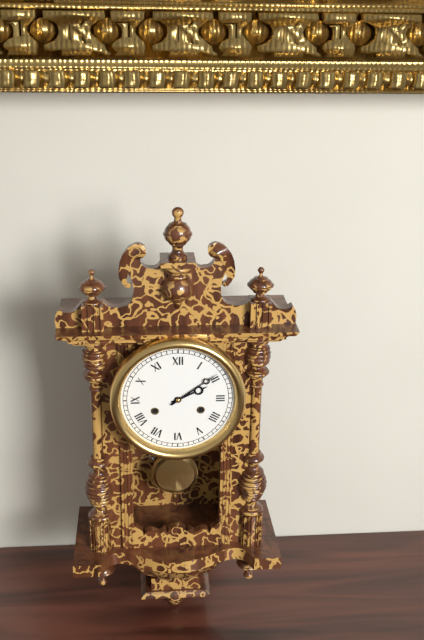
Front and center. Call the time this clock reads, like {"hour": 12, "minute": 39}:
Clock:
{"hour": 2, "minute": 9}
